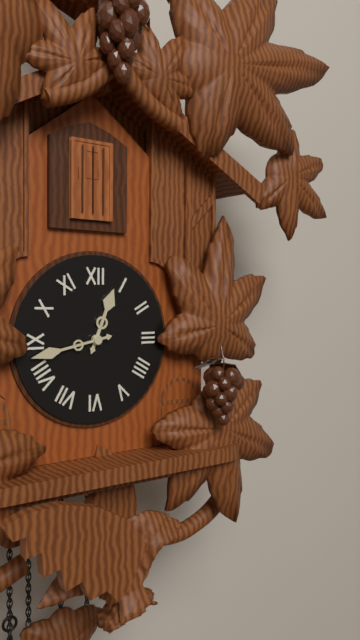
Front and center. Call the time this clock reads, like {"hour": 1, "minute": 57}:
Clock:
{"hour": 12, "minute": 43}
